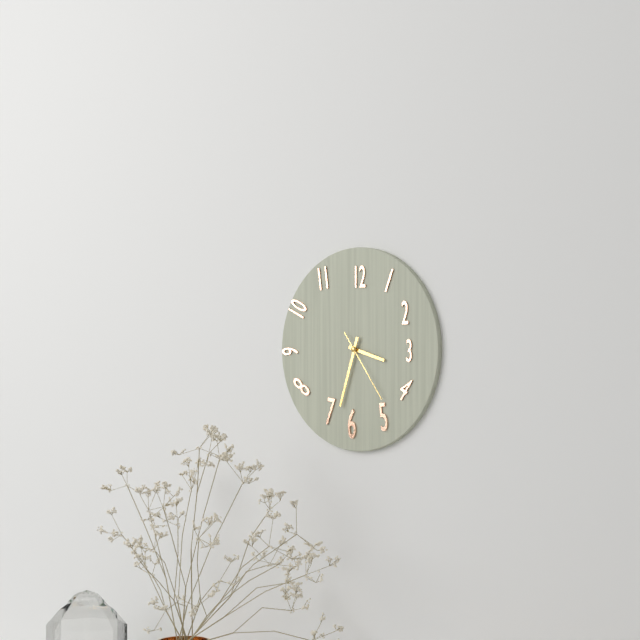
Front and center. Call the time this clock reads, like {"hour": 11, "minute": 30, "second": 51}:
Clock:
{"hour": 3, "minute": 33, "second": 24}
